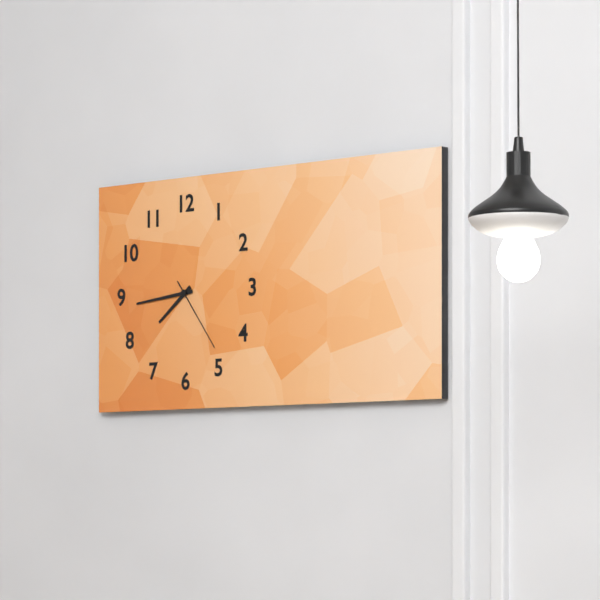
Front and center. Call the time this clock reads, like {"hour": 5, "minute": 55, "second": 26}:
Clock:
{"hour": 7, "minute": 44, "second": 24}
